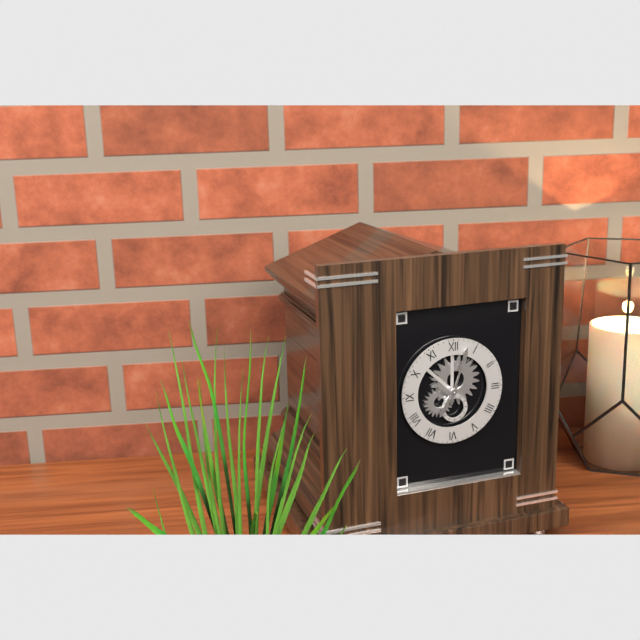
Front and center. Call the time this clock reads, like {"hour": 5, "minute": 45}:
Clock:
{"hour": 7, "minute": 3}
